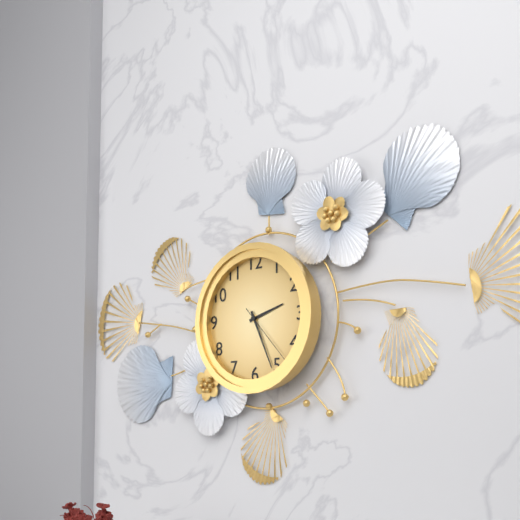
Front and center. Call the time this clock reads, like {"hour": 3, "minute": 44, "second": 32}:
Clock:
{"hour": 2, "minute": 26, "second": 23}
